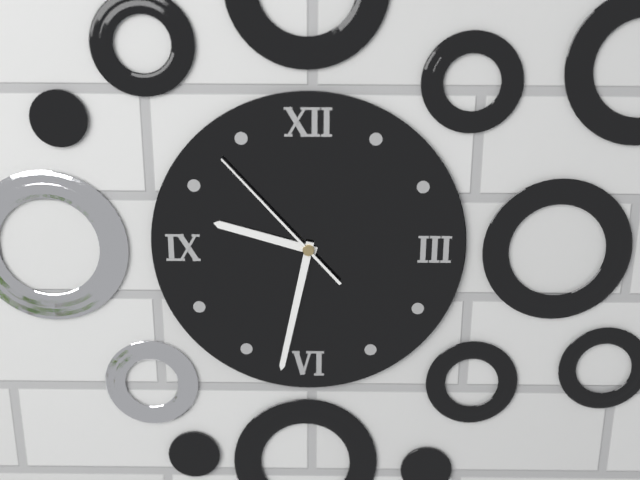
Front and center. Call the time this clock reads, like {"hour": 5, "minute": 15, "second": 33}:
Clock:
{"hour": 9, "minute": 32, "second": 53}
